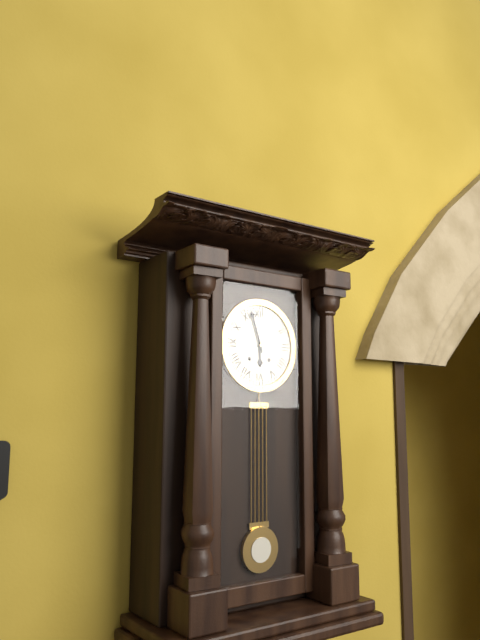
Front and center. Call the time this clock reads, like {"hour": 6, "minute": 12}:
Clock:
{"hour": 5, "minute": 57}
